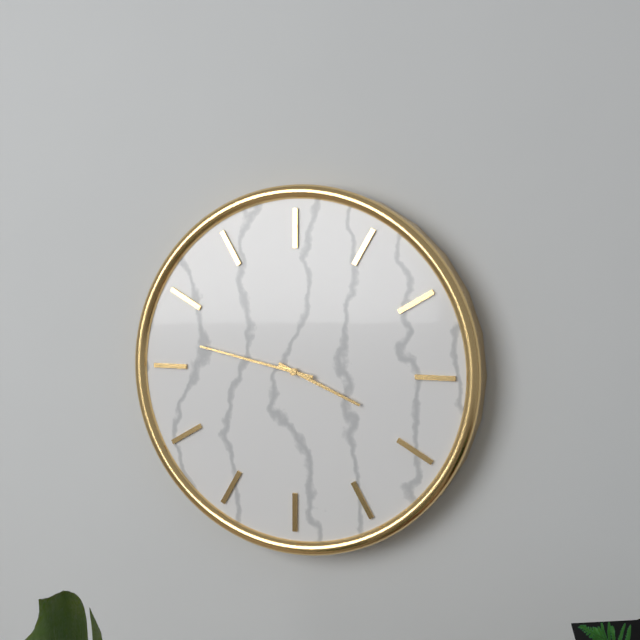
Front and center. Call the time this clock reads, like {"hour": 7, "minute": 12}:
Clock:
{"hour": 3, "minute": 47}
